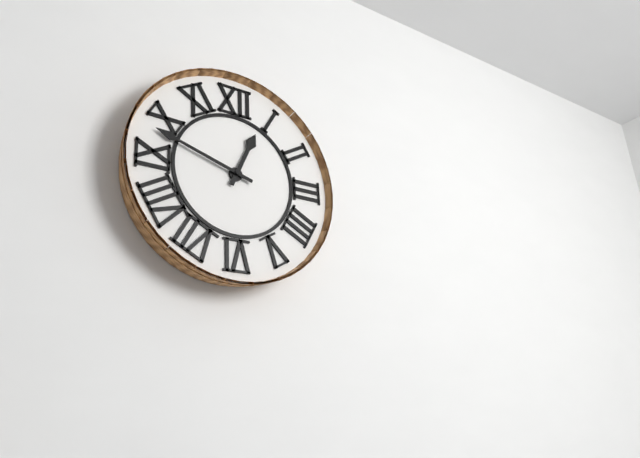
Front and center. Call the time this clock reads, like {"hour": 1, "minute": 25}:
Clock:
{"hour": 12, "minute": 48}
